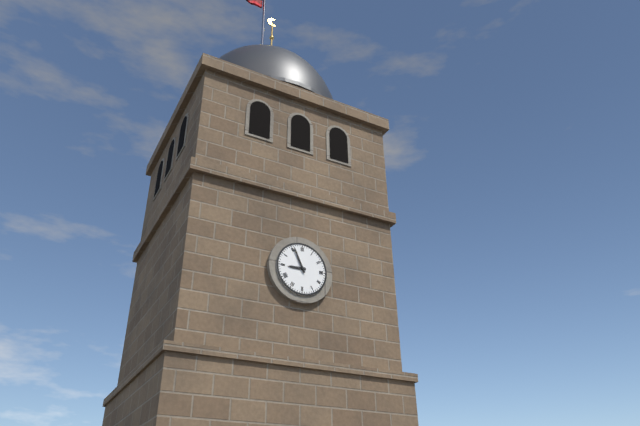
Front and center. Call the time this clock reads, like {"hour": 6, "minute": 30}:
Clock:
{"hour": 8, "minute": 56}
